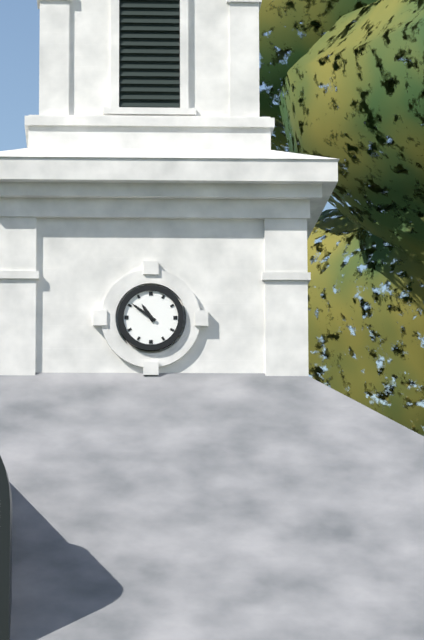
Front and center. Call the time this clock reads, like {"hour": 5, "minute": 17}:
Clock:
{"hour": 10, "minute": 51}
